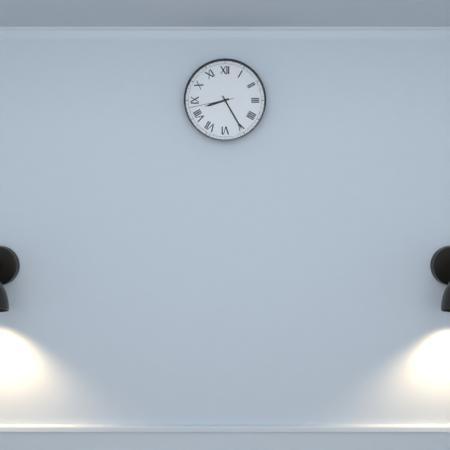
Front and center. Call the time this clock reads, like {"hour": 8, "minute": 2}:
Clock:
{"hour": 8, "minute": 25}
